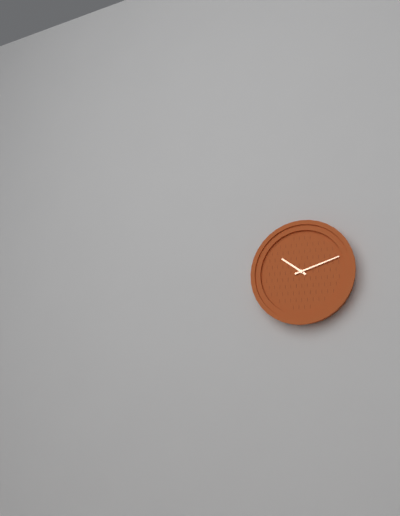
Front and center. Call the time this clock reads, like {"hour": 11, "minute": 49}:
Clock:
{"hour": 10, "minute": 12}
